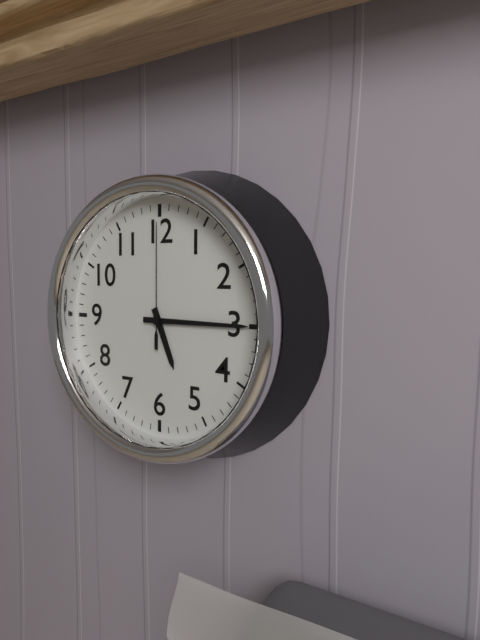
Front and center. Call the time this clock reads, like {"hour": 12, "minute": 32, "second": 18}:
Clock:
{"hour": 5, "minute": 15, "second": 0}
